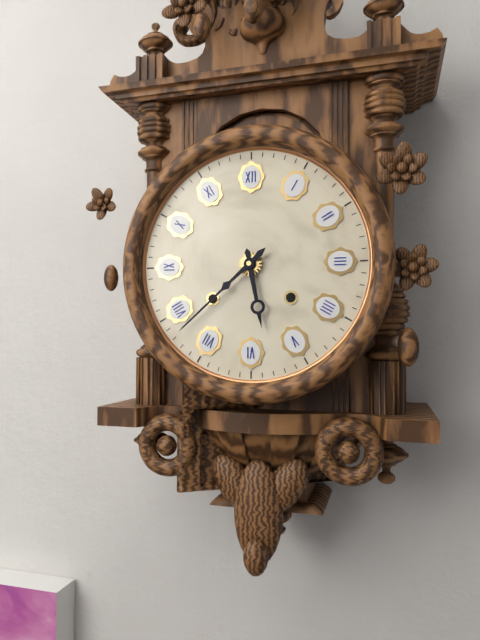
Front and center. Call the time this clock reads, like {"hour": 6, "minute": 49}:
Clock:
{"hour": 5, "minute": 38}
